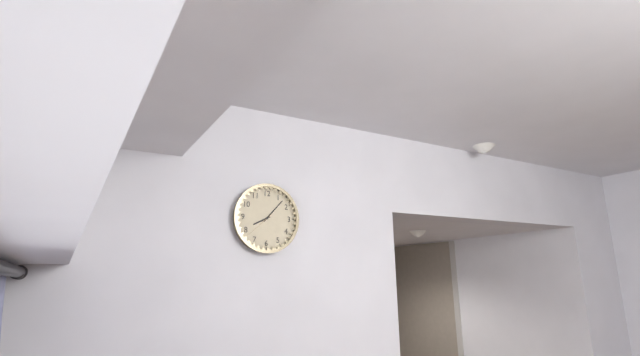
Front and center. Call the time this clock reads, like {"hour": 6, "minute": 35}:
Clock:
{"hour": 8, "minute": 7}
